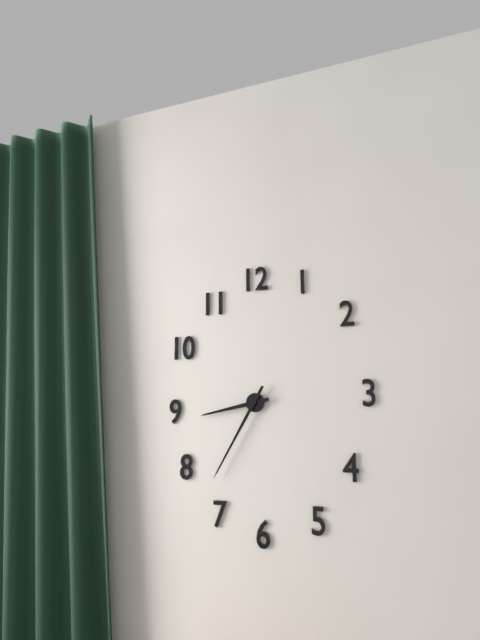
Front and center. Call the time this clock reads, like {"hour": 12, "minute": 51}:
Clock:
{"hour": 8, "minute": 35}
